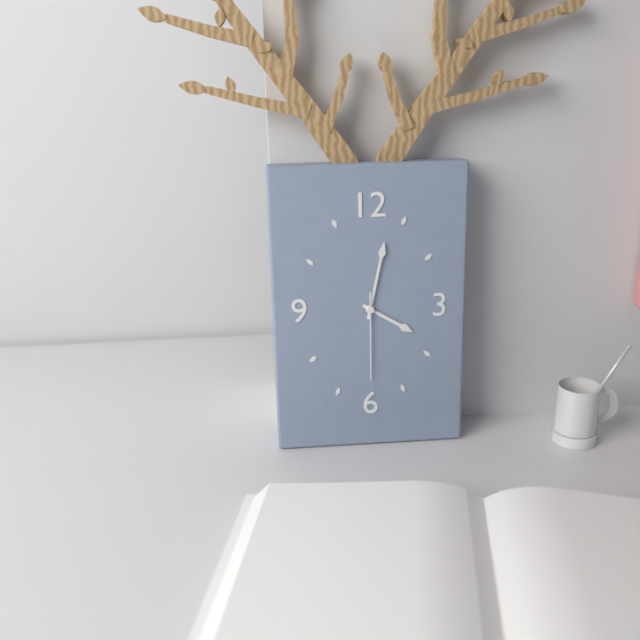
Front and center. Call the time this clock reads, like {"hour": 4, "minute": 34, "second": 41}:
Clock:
{"hour": 4, "minute": 2, "second": 30}
